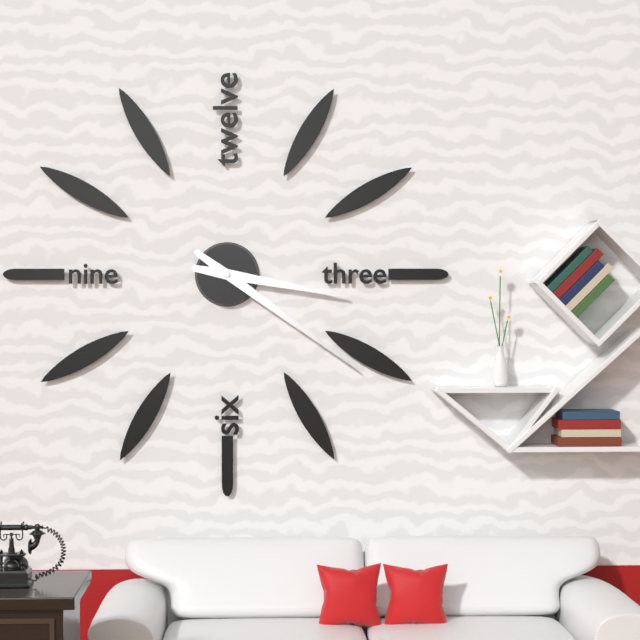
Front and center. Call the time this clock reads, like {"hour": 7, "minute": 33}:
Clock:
{"hour": 3, "minute": 21}
